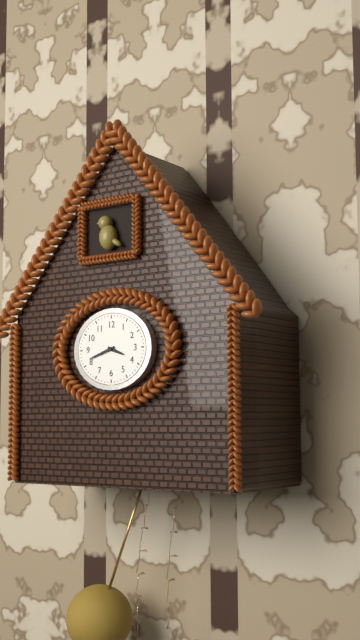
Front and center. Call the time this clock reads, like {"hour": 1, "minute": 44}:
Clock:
{"hour": 3, "minute": 42}
